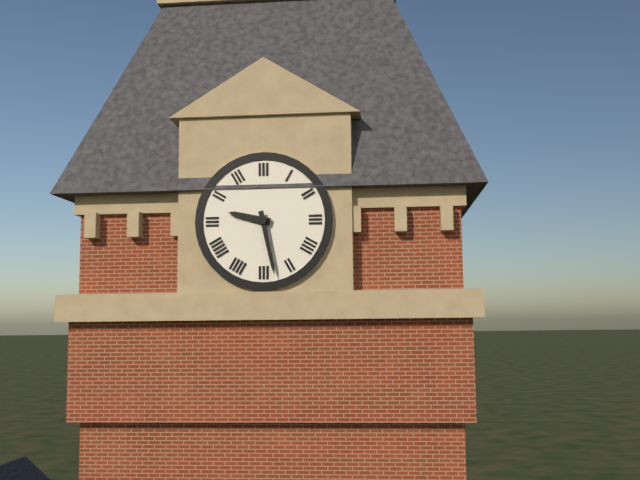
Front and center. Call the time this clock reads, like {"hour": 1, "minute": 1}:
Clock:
{"hour": 9, "minute": 28}
